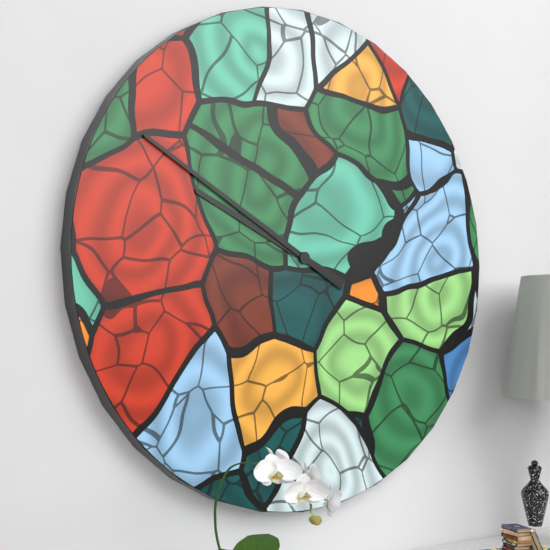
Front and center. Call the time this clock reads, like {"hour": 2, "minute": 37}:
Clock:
{"hour": 9, "minute": 50}
